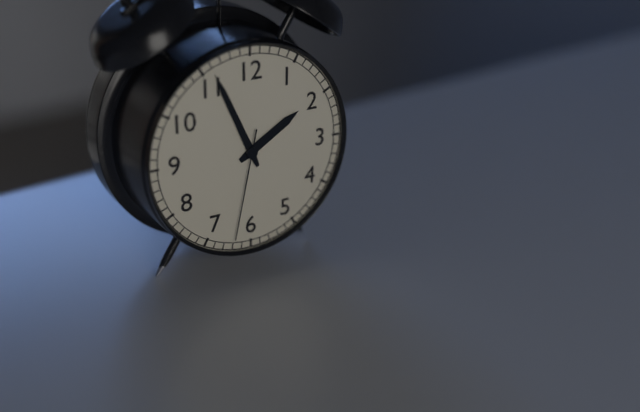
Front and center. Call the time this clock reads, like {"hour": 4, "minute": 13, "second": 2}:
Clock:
{"hour": 1, "minute": 56, "second": 32}
